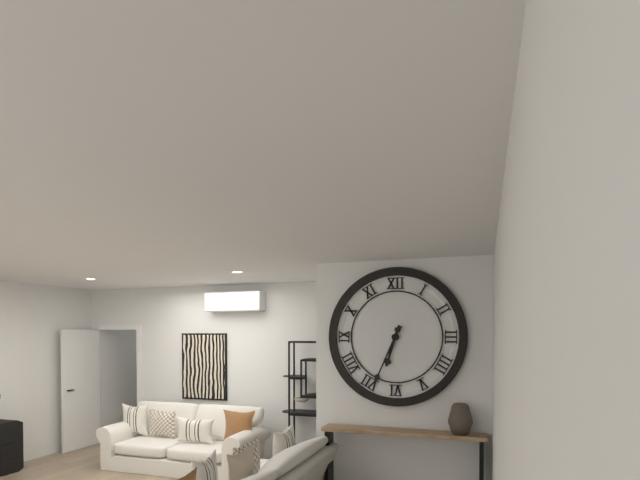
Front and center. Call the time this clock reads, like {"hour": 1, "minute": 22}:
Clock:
{"hour": 6, "minute": 34}
